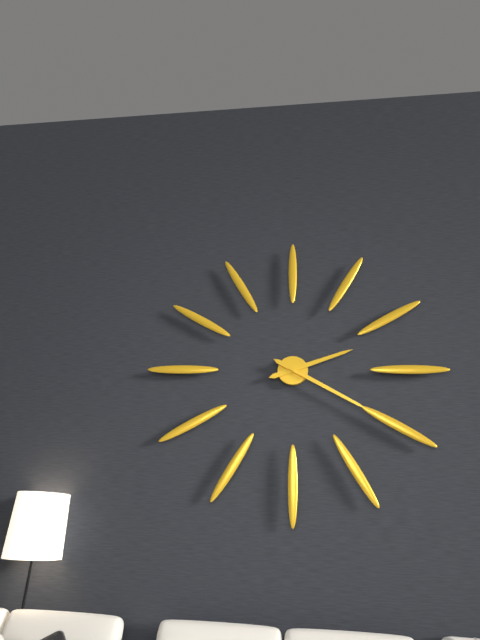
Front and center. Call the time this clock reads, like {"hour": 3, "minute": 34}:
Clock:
{"hour": 2, "minute": 20}
